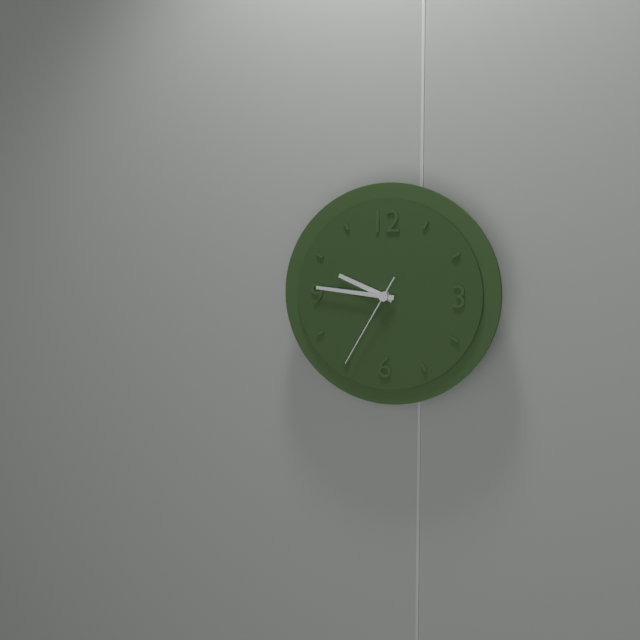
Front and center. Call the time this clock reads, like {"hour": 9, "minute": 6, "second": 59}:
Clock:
{"hour": 9, "minute": 46, "second": 35}
